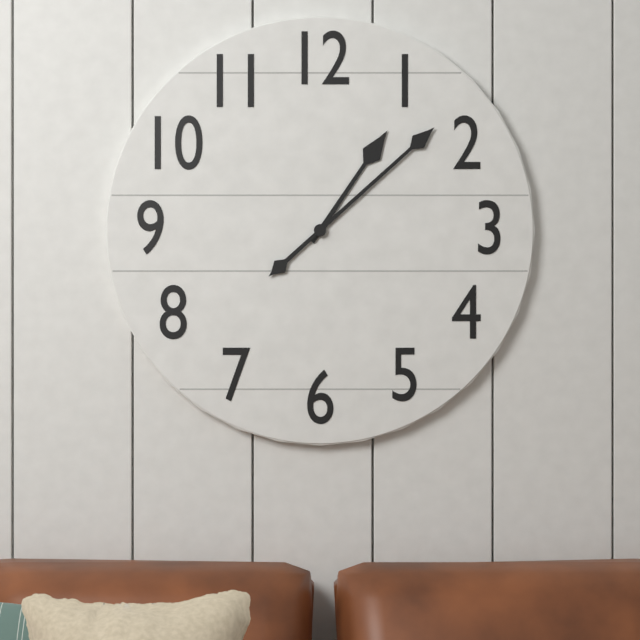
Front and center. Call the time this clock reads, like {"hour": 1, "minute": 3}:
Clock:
{"hour": 1, "minute": 8}
